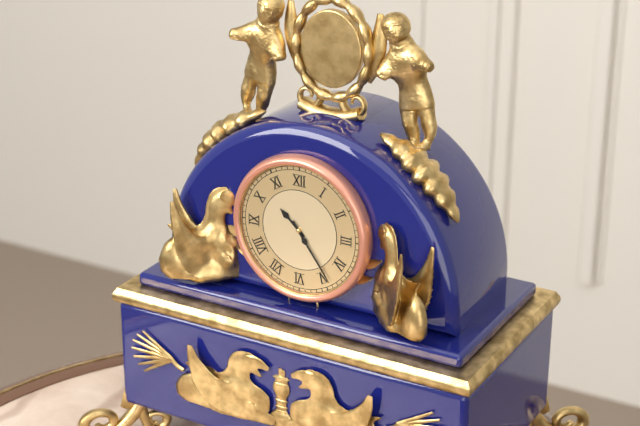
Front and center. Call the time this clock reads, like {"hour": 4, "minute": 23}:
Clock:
{"hour": 10, "minute": 24}
